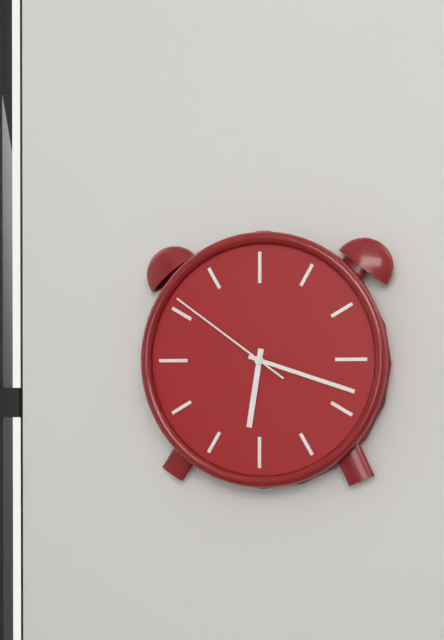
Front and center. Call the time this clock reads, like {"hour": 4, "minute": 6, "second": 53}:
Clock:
{"hour": 6, "minute": 18, "second": 51}
